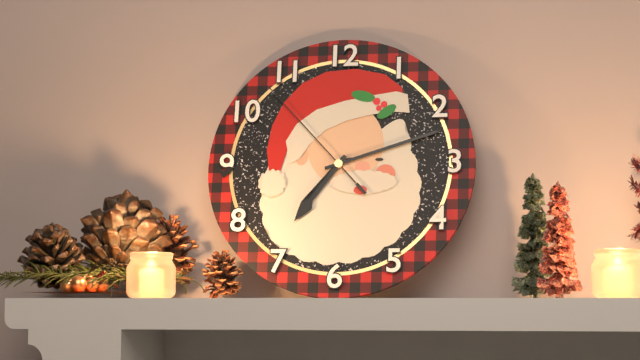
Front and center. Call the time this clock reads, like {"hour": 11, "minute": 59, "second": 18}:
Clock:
{"hour": 7, "minute": 12, "second": 53}
